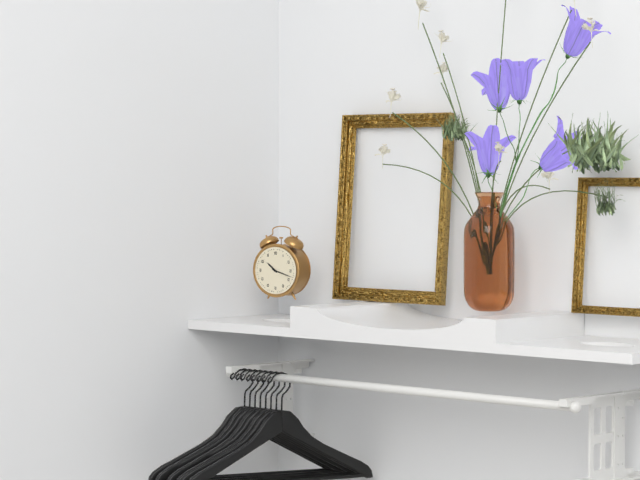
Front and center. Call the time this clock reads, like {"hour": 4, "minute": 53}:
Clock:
{"hour": 10, "minute": 18}
